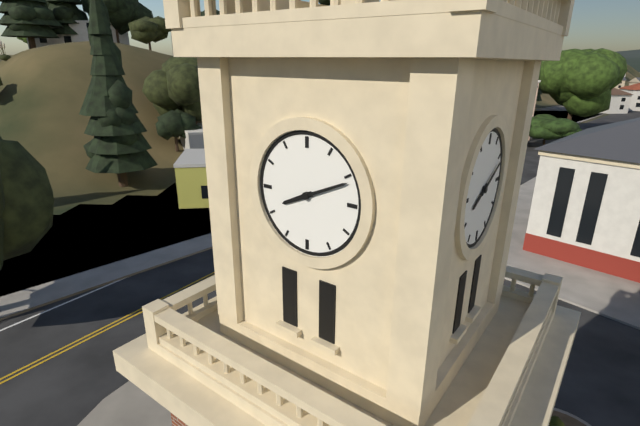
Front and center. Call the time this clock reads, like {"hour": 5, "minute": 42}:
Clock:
{"hour": 8, "minute": 11}
